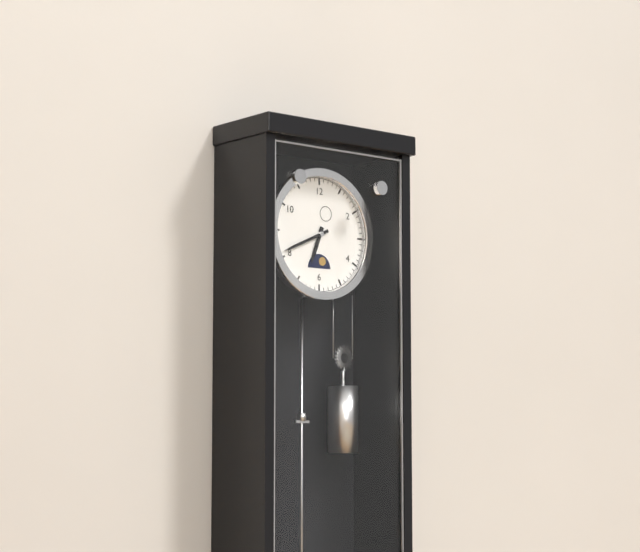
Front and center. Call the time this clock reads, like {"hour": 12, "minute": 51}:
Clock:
{"hour": 6, "minute": 41}
